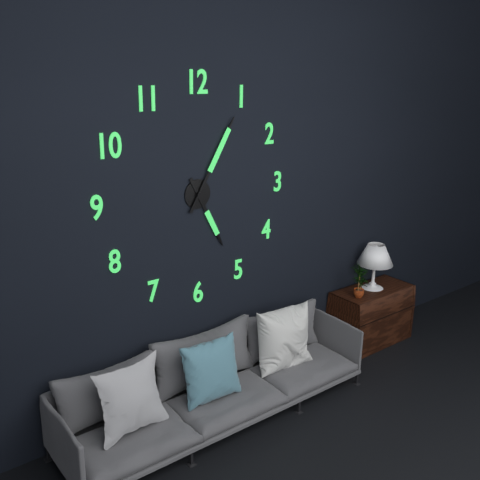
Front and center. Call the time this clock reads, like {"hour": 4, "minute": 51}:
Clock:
{"hour": 5, "minute": 5}
